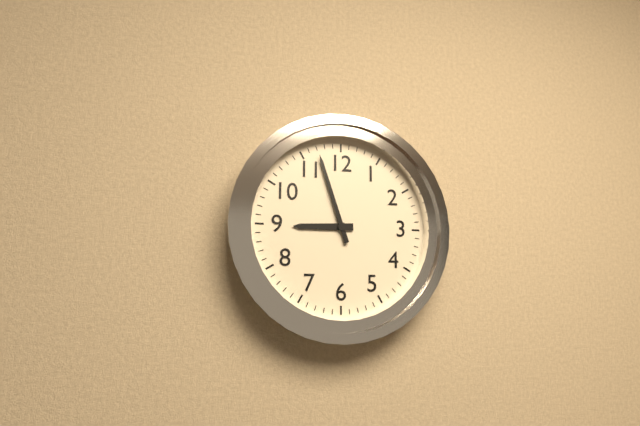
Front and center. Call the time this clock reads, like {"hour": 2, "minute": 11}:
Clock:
{"hour": 8, "minute": 57}
